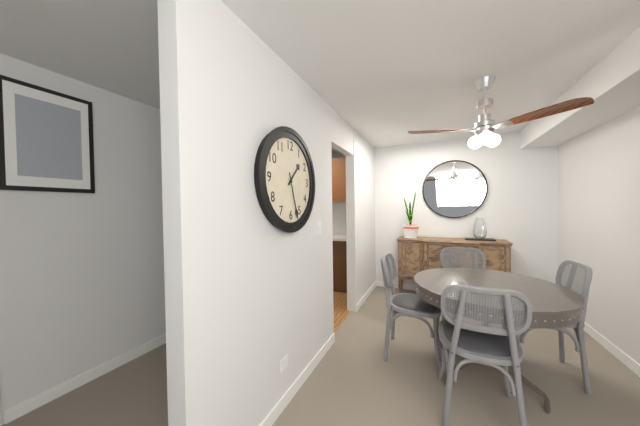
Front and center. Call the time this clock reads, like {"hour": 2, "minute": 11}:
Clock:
{"hour": 1, "minute": 27}
